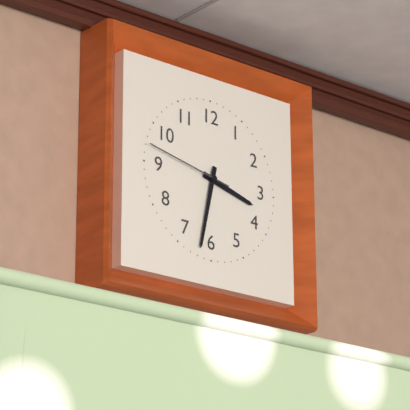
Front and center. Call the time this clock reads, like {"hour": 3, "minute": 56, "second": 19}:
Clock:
{"hour": 3, "minute": 32, "second": 47}
